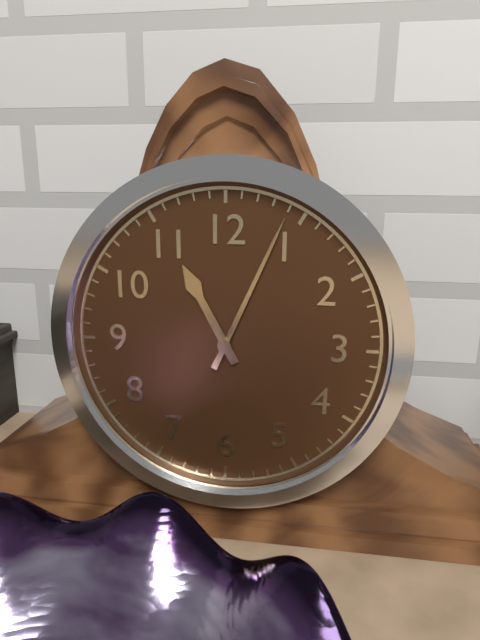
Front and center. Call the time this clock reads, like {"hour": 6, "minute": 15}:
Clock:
{"hour": 11, "minute": 4}
